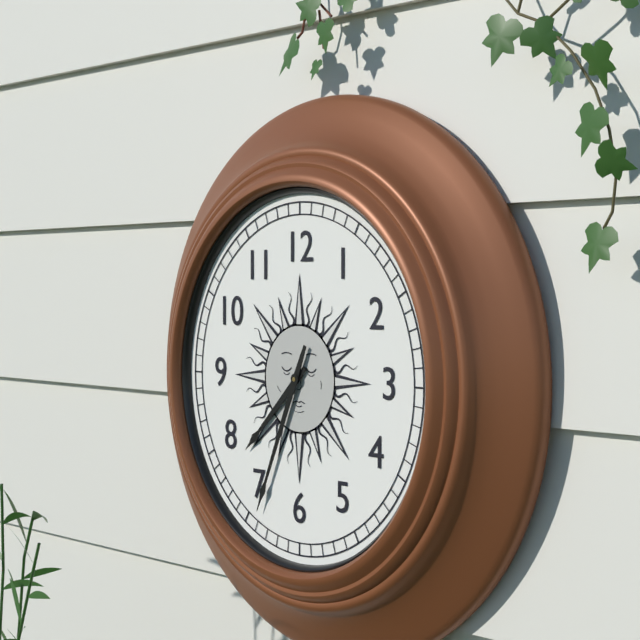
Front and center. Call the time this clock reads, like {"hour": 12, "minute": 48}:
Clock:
{"hour": 7, "minute": 34}
